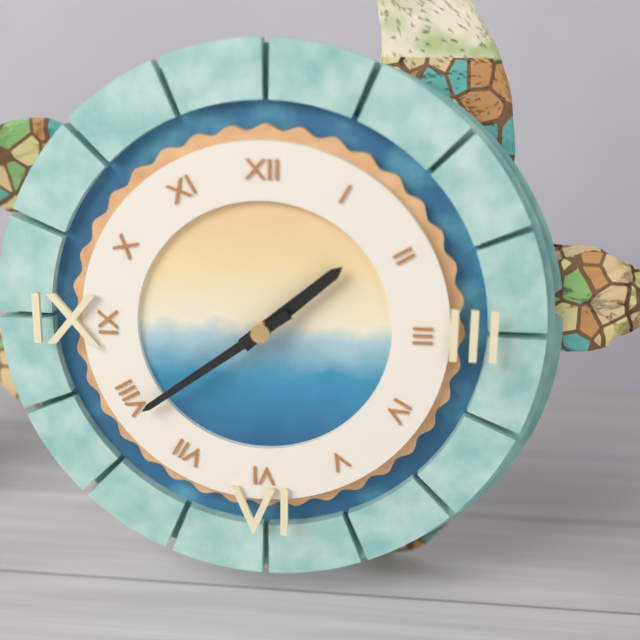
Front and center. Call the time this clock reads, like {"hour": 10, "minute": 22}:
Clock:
{"hour": 1, "minute": 39}
